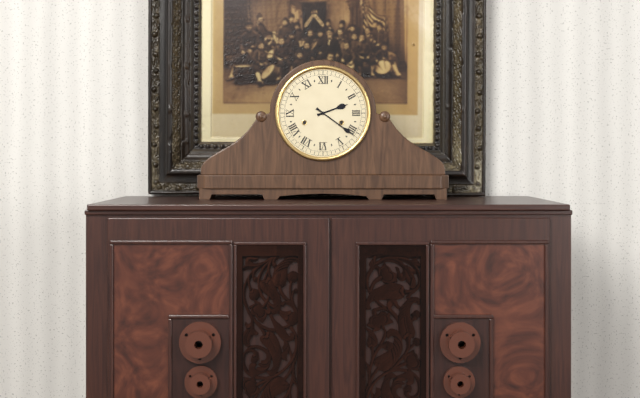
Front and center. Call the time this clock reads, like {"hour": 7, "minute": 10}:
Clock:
{"hour": 2, "minute": 21}
